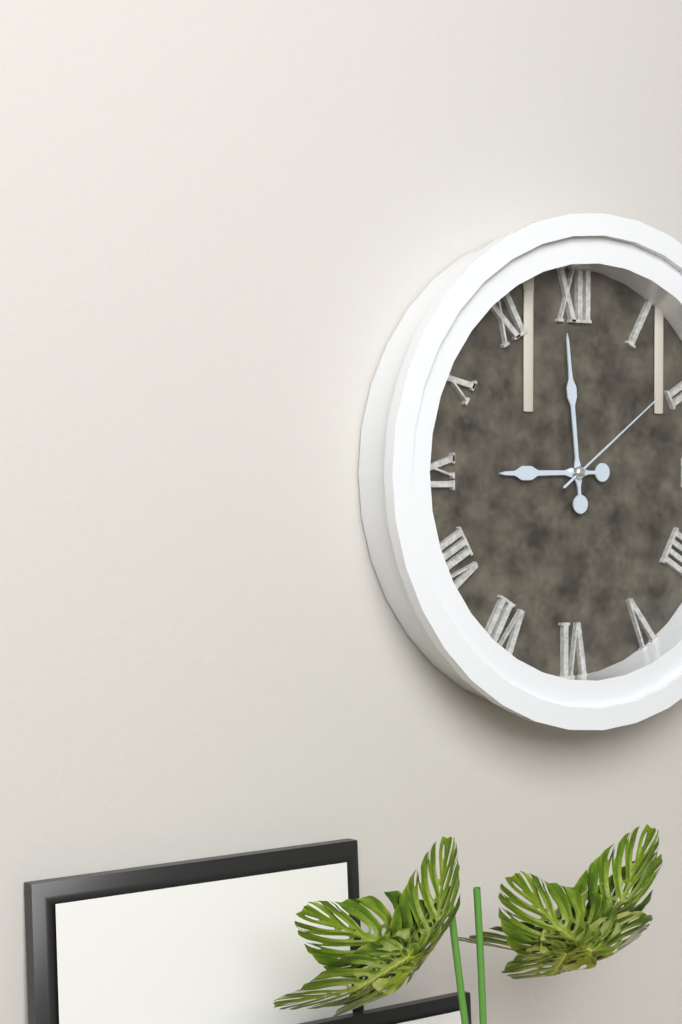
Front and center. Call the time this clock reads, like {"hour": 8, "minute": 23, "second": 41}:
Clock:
{"hour": 8, "minute": 59, "second": 9}
